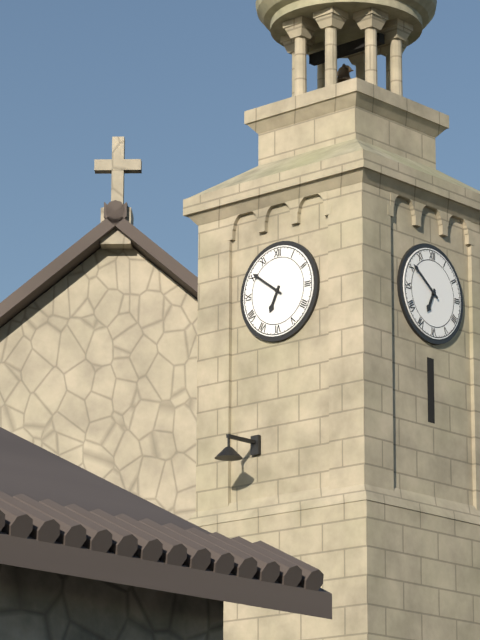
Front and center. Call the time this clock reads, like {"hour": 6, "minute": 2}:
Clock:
{"hour": 6, "minute": 51}
